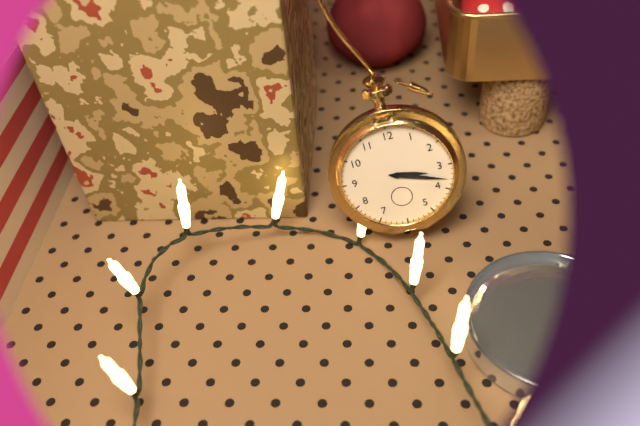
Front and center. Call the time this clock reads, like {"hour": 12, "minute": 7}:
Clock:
{"hour": 3, "minute": 18}
